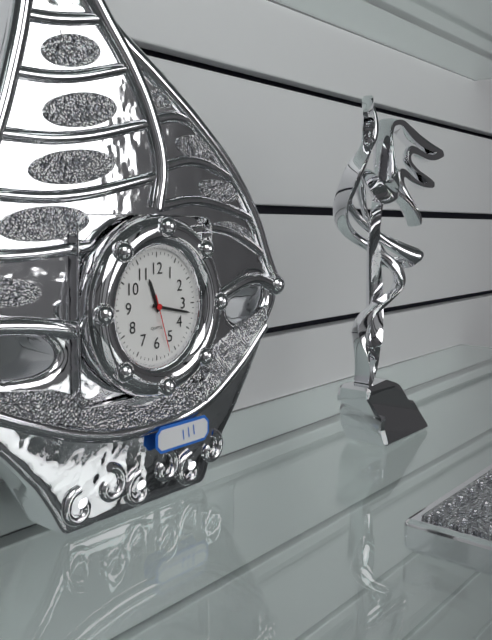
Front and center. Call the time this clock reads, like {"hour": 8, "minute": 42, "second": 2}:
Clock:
{"hour": 11, "minute": 17, "second": 27}
